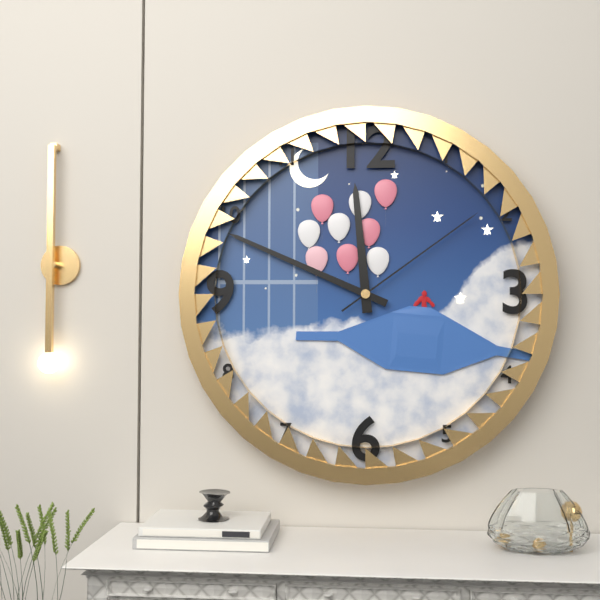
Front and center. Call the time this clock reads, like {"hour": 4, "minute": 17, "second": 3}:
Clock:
{"hour": 11, "minute": 49, "second": 9}
